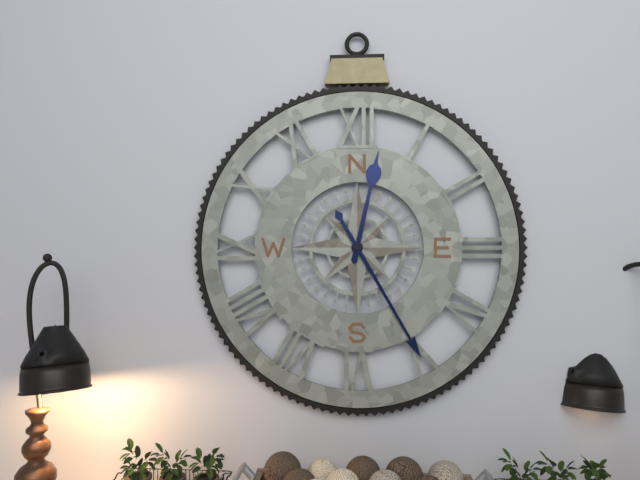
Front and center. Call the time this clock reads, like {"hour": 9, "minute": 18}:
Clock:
{"hour": 12, "minute": 25}
